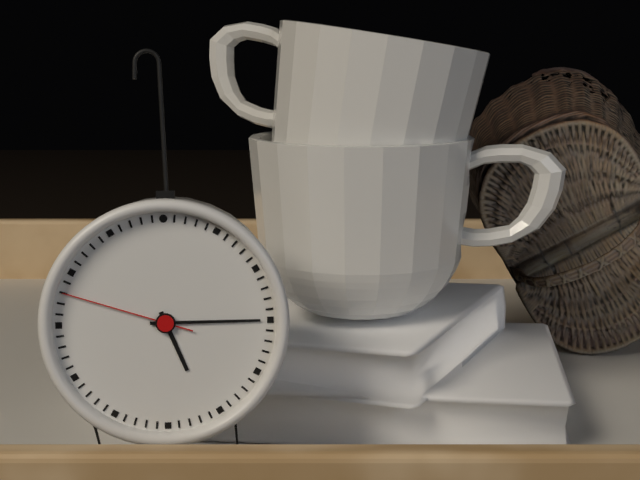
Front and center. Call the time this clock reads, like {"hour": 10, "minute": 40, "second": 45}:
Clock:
{"hour": 5, "minute": 15, "second": 48}
